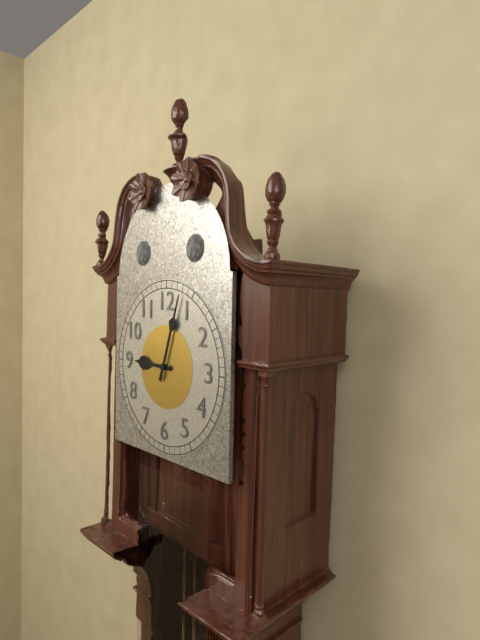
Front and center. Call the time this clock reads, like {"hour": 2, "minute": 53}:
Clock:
{"hour": 9, "minute": 3}
